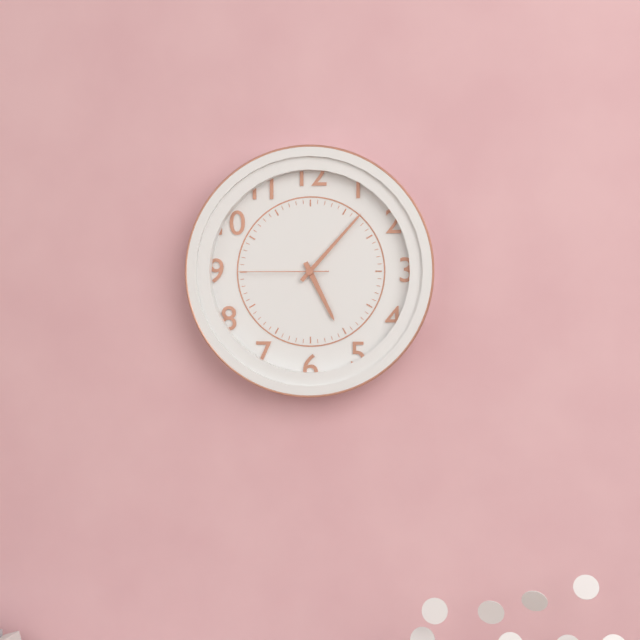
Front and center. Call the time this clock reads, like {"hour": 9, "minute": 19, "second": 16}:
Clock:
{"hour": 5, "minute": 7, "second": 45}
